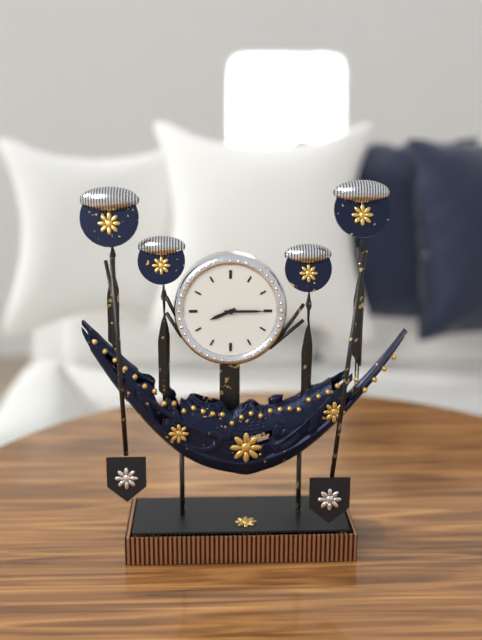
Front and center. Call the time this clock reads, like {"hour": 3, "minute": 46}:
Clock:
{"hour": 8, "minute": 15}
